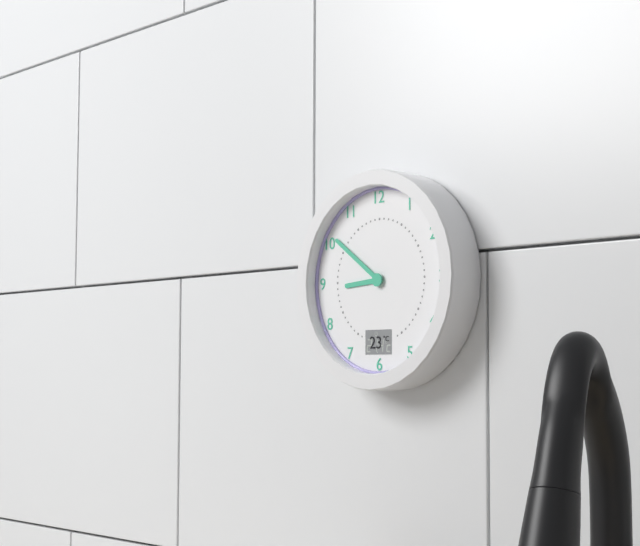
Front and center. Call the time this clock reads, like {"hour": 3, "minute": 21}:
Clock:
{"hour": 8, "minute": 51}
